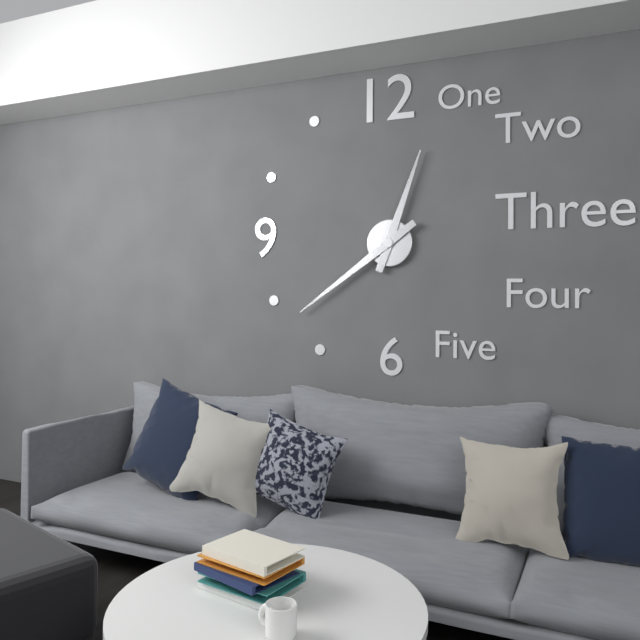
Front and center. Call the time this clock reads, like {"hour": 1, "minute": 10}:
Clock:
{"hour": 12, "minute": 39}
